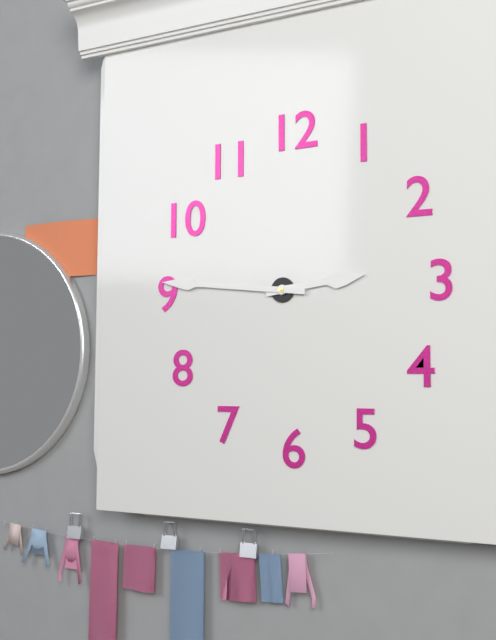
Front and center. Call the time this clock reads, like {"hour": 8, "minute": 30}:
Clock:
{"hour": 2, "minute": 46}
